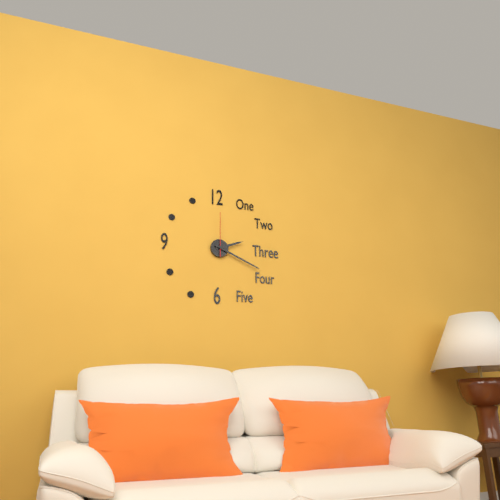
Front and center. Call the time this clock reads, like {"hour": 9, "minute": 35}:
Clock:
{"hour": 2, "minute": 19}
